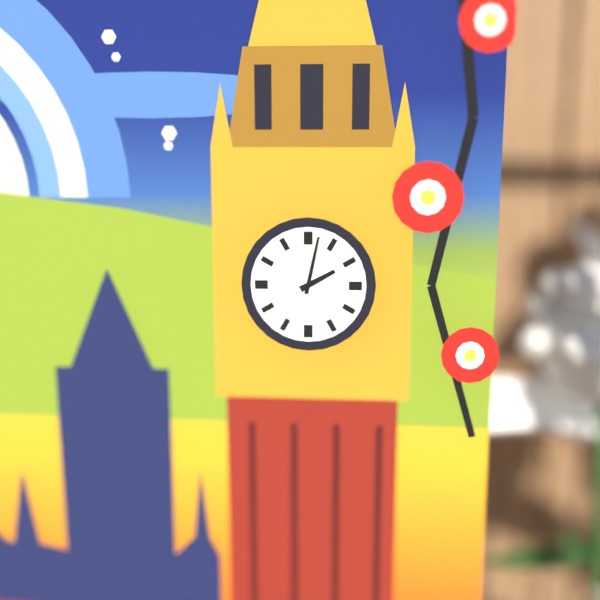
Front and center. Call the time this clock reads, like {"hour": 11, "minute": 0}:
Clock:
{"hour": 2, "minute": 2}
